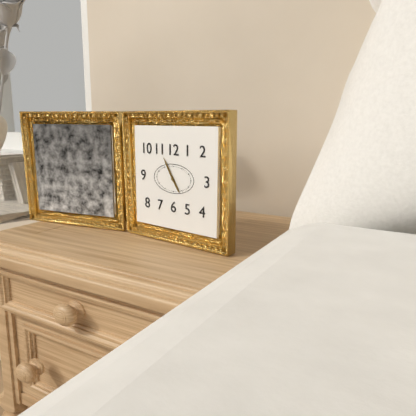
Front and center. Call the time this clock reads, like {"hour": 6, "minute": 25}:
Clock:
{"hour": 4, "minute": 55}
